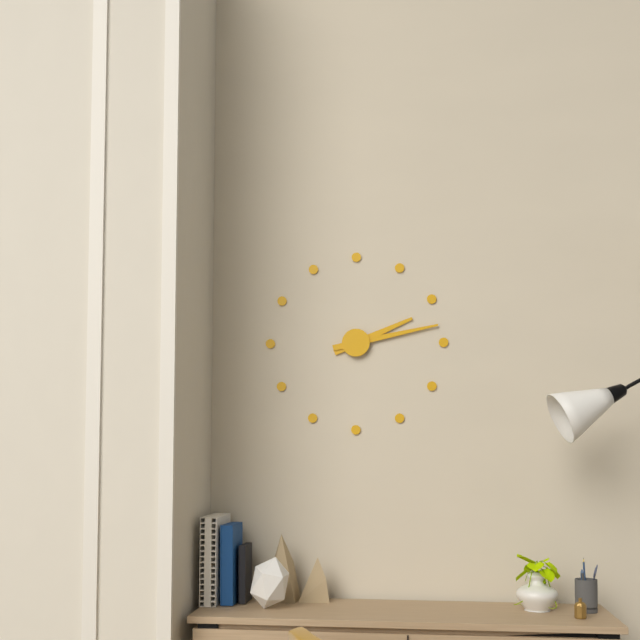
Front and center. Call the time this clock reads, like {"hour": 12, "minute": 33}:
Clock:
{"hour": 2, "minute": 13}
